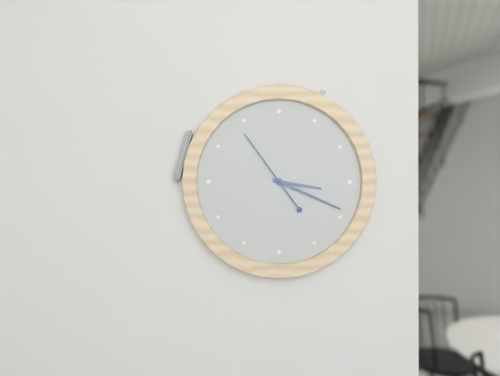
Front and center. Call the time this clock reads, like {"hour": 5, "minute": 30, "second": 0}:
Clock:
{"hour": 3, "minute": 19, "second": 54}
